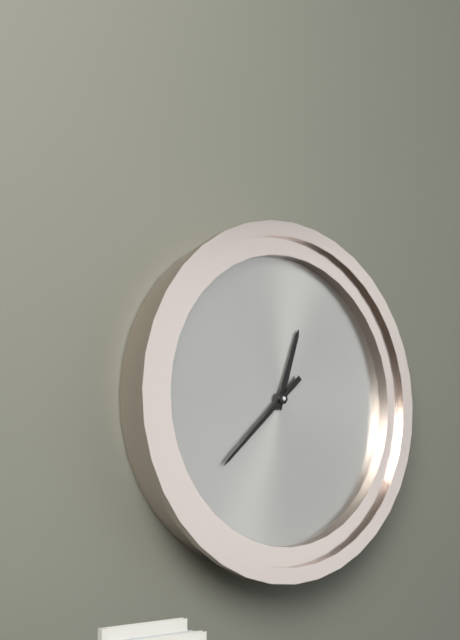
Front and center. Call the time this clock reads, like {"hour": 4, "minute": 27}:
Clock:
{"hour": 12, "minute": 38}
